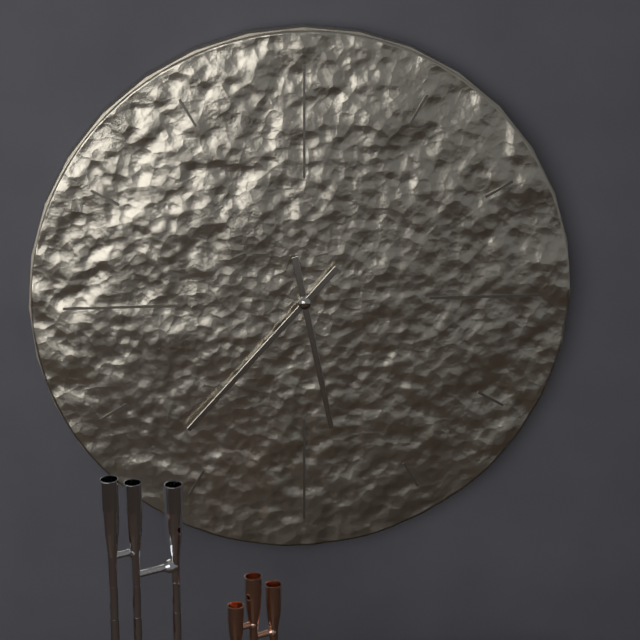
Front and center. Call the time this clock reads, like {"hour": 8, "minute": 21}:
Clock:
{"hour": 5, "minute": 37}
